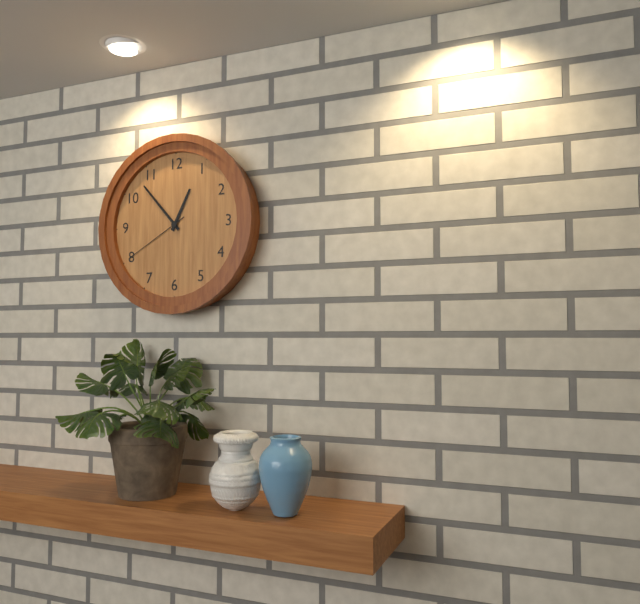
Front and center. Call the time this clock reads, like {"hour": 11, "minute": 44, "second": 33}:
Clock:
{"hour": 12, "minute": 53, "second": 40}
